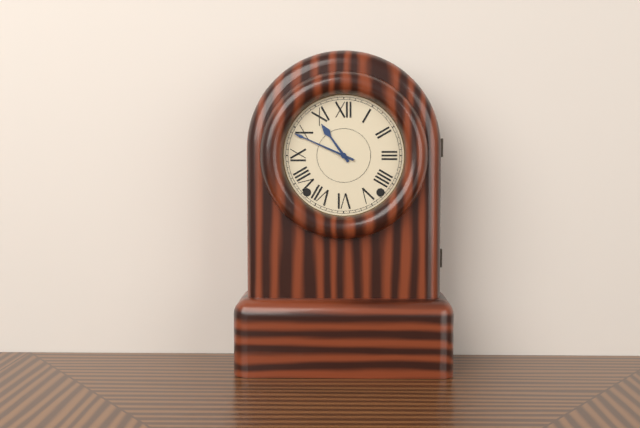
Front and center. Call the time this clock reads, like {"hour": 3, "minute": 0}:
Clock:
{"hour": 10, "minute": 49}
